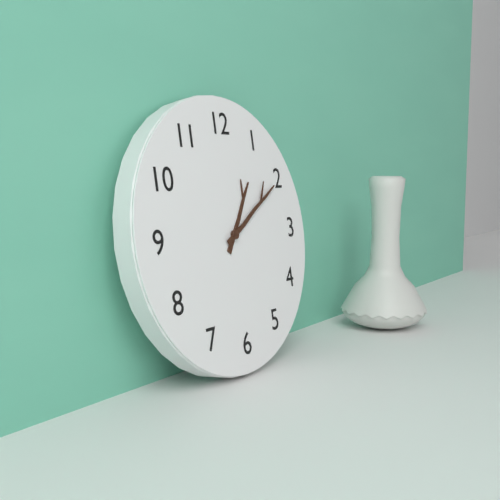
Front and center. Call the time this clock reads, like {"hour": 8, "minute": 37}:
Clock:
{"hour": 1, "minute": 10}
